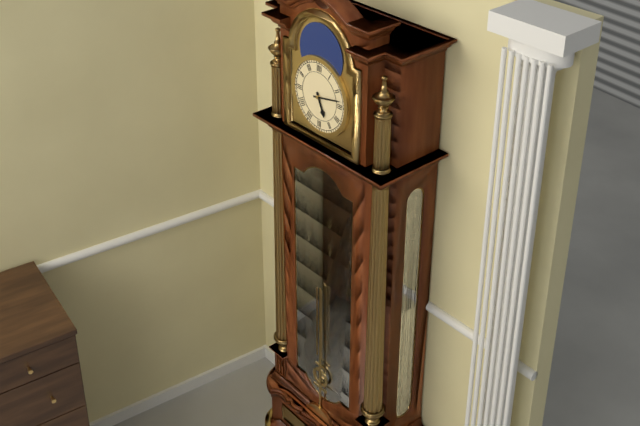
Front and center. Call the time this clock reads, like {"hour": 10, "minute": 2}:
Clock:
{"hour": 5, "minute": 13}
